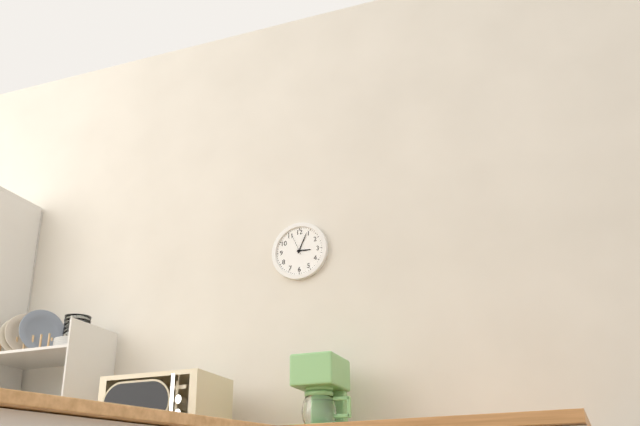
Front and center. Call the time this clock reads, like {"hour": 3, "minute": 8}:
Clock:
{"hour": 3, "minute": 4}
